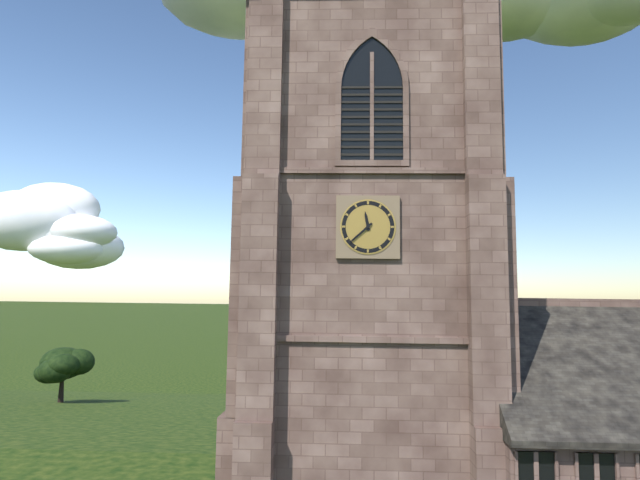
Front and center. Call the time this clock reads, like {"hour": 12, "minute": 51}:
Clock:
{"hour": 11, "minute": 38}
